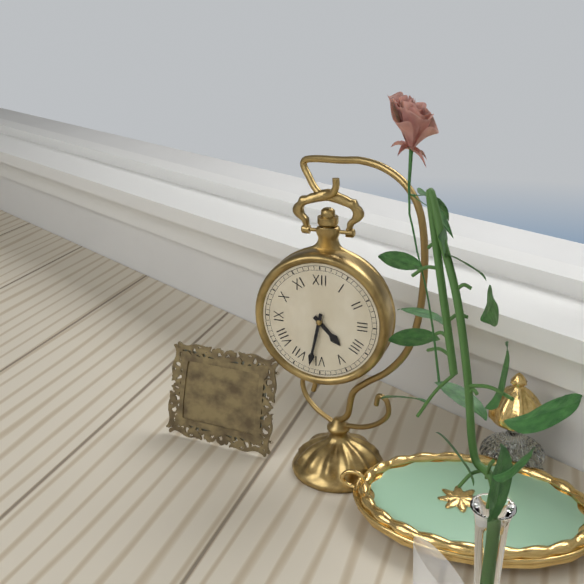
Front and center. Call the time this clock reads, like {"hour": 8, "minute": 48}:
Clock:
{"hour": 4, "minute": 32}
